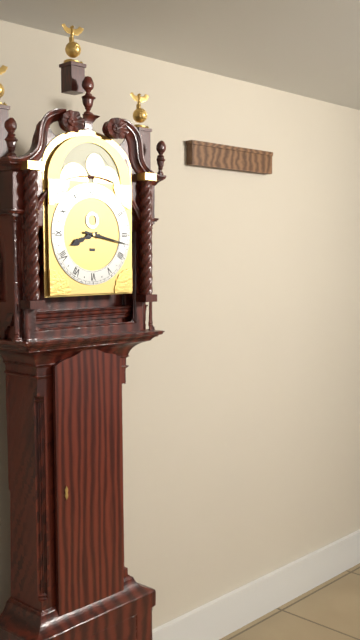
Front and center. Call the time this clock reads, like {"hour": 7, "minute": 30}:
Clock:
{"hour": 8, "minute": 17}
